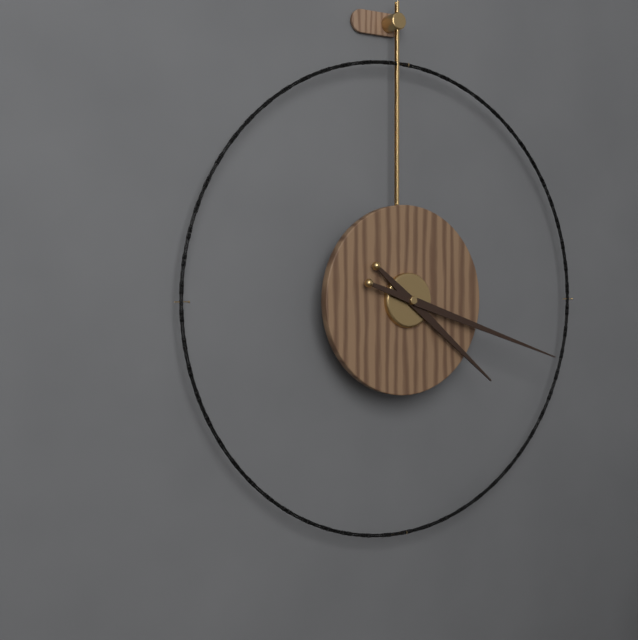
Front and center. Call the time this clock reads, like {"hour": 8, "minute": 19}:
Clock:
{"hour": 4, "minute": 18}
